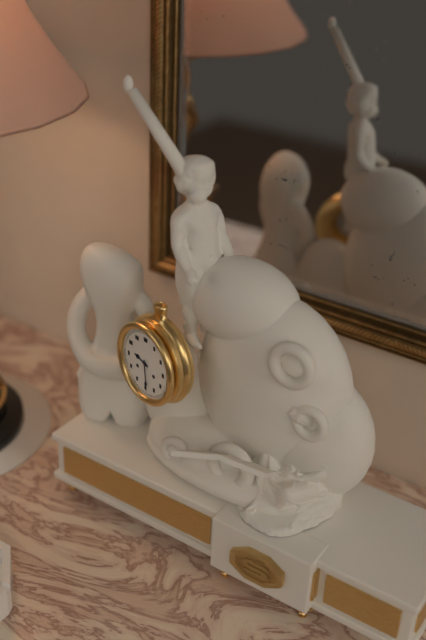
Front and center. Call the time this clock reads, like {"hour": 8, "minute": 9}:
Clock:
{"hour": 9, "minute": 29}
